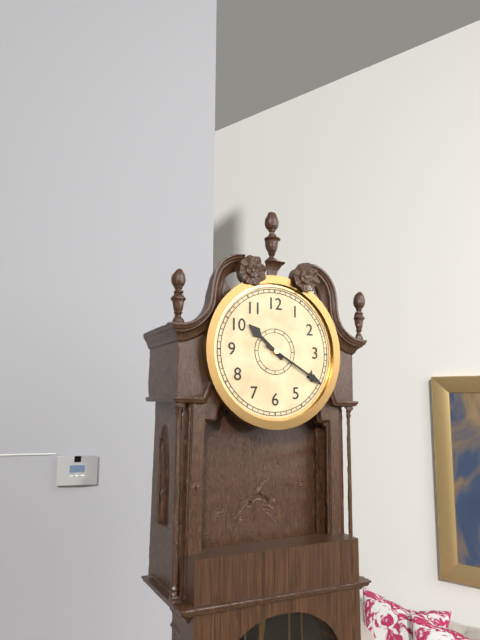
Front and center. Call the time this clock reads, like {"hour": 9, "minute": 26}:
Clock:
{"hour": 10, "minute": 20}
